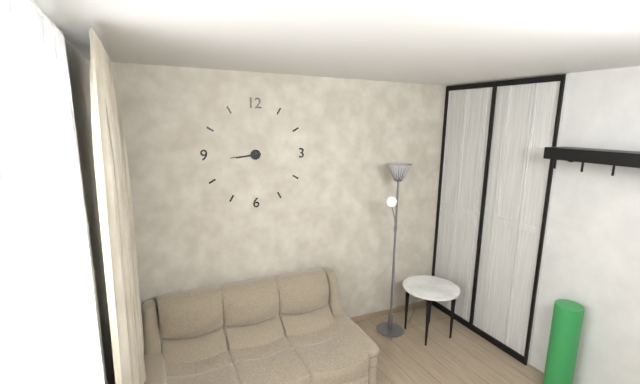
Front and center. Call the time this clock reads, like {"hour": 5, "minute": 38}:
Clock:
{"hour": 8, "minute": 44}
